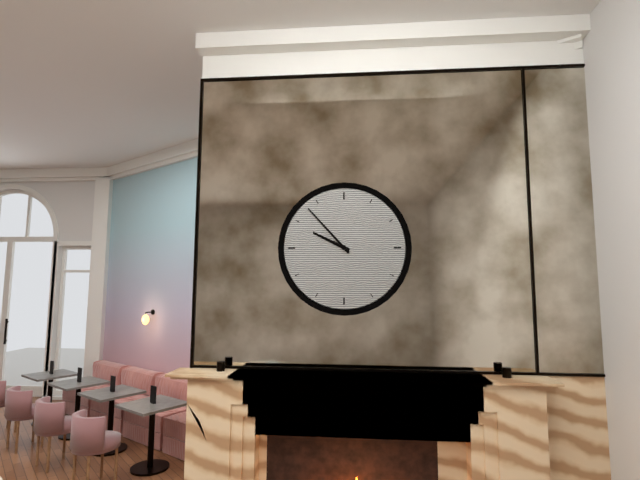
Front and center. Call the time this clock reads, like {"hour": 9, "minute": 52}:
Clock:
{"hour": 9, "minute": 53}
